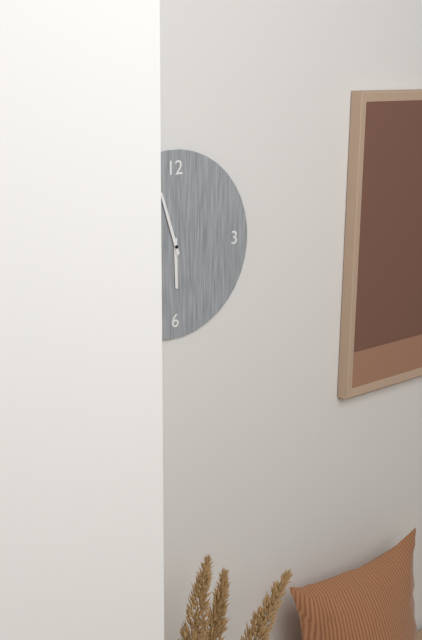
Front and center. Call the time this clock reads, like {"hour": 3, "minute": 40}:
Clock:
{"hour": 5, "minute": 57}
